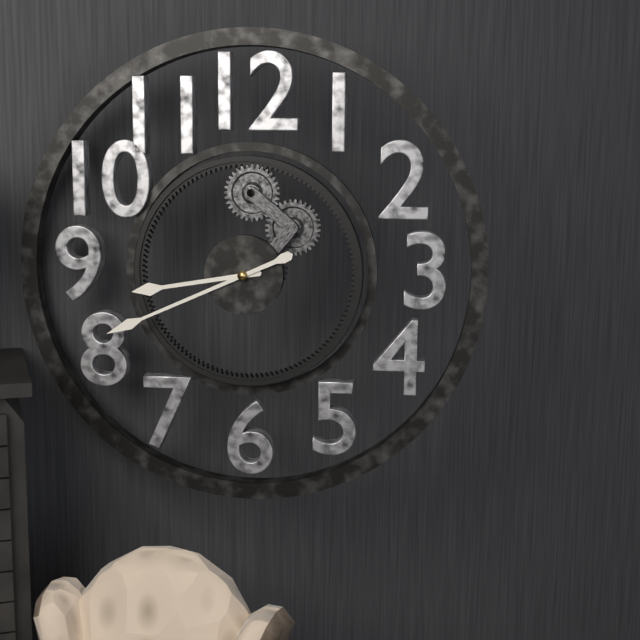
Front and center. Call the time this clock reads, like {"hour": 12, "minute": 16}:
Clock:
{"hour": 8, "minute": 41}
